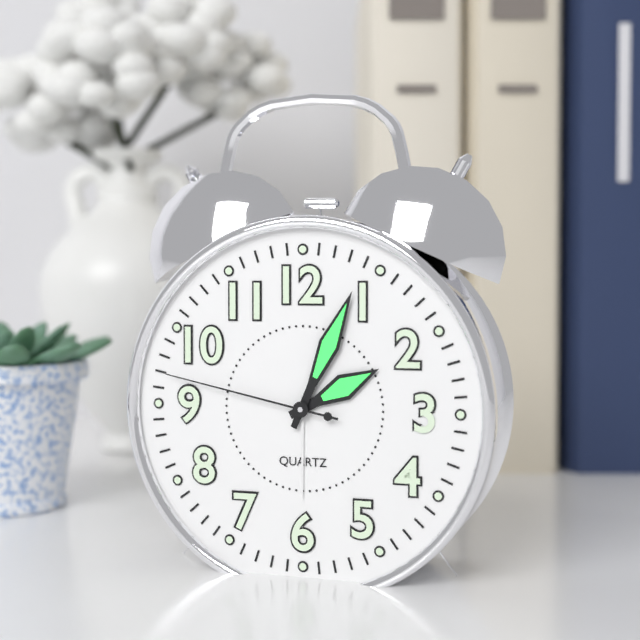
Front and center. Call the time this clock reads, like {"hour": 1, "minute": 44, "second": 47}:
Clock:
{"hour": 2, "minute": 4, "second": 47}
